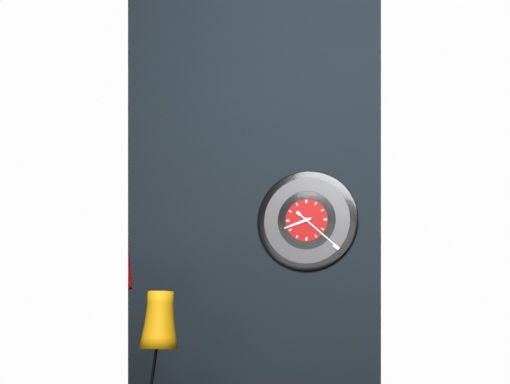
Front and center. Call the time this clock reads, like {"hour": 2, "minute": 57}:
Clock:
{"hour": 8, "minute": 22}
